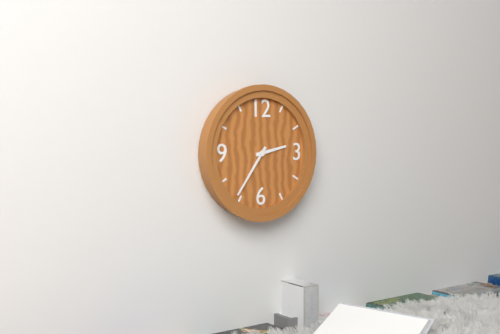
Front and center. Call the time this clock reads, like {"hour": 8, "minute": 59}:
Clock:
{"hour": 2, "minute": 36}
